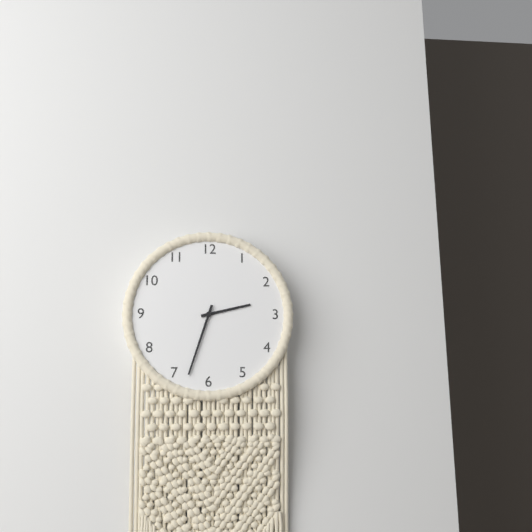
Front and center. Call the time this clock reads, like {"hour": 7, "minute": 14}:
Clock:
{"hour": 2, "minute": 33}
